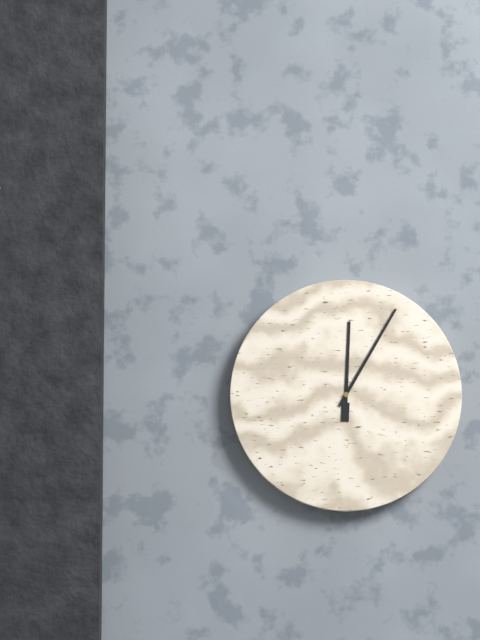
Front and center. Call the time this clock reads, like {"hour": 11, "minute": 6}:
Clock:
{"hour": 12, "minute": 5}
